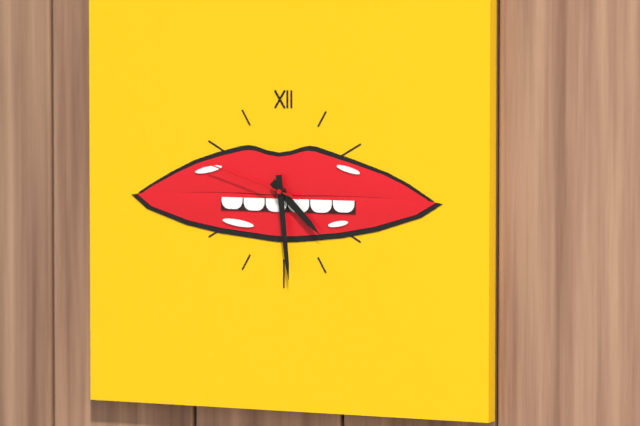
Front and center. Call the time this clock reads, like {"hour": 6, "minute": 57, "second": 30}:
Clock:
{"hour": 4, "minute": 29, "second": 48}
